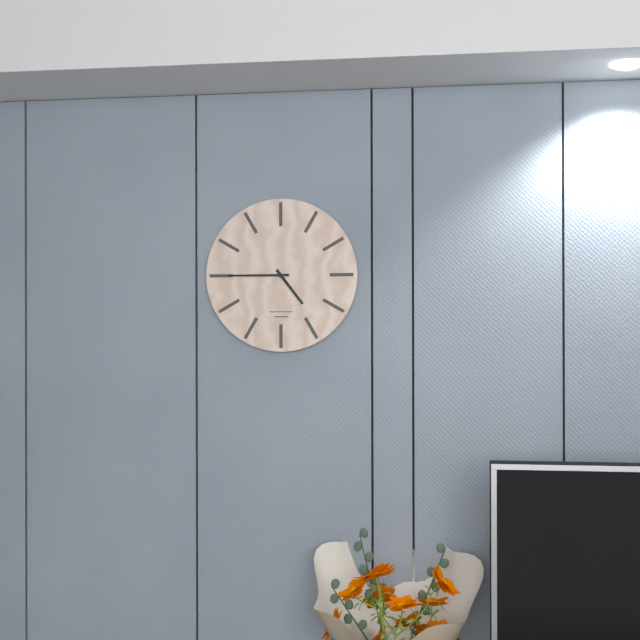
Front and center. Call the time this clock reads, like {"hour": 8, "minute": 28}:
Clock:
{"hour": 4, "minute": 45}
